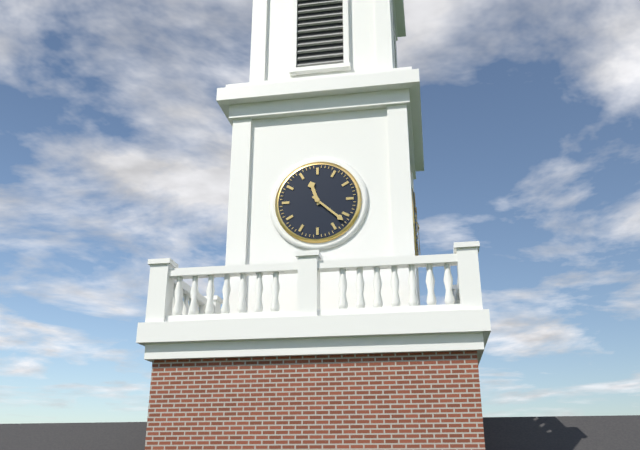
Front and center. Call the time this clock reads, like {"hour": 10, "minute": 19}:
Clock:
{"hour": 11, "minute": 22}
